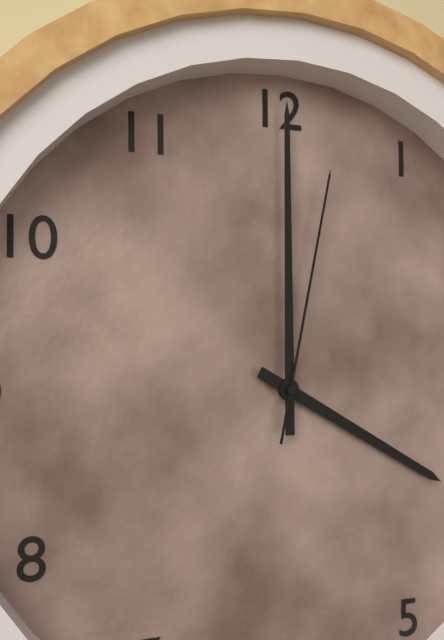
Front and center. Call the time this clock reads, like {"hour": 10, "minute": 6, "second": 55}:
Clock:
{"hour": 4, "minute": 0, "second": 2}
